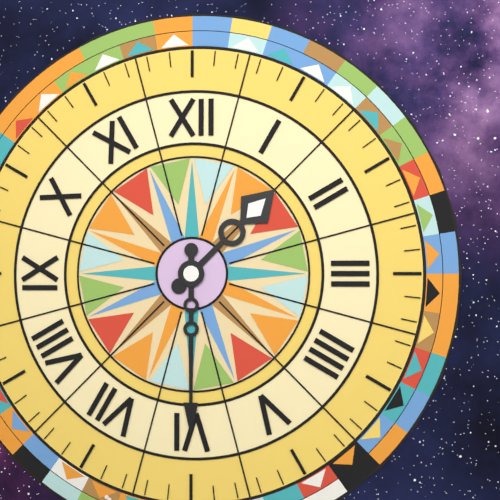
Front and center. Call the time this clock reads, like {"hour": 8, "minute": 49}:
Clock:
{"hour": 1, "minute": 30}
